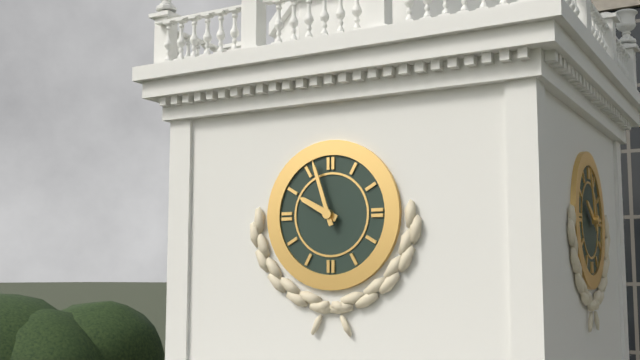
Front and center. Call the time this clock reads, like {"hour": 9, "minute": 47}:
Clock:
{"hour": 9, "minute": 57}
